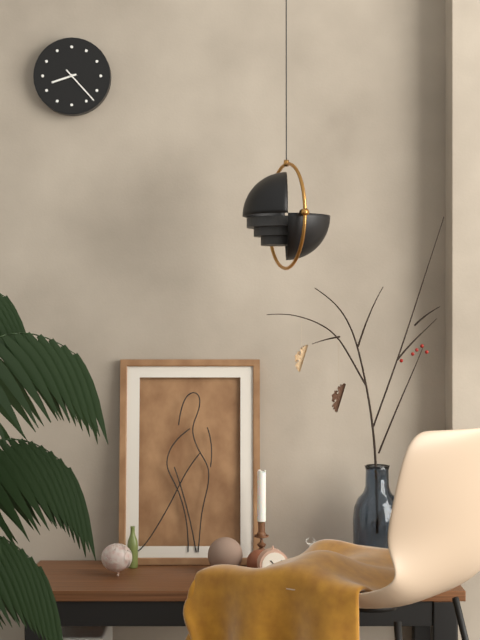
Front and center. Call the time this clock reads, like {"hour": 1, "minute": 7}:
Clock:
{"hour": 8, "minute": 23}
